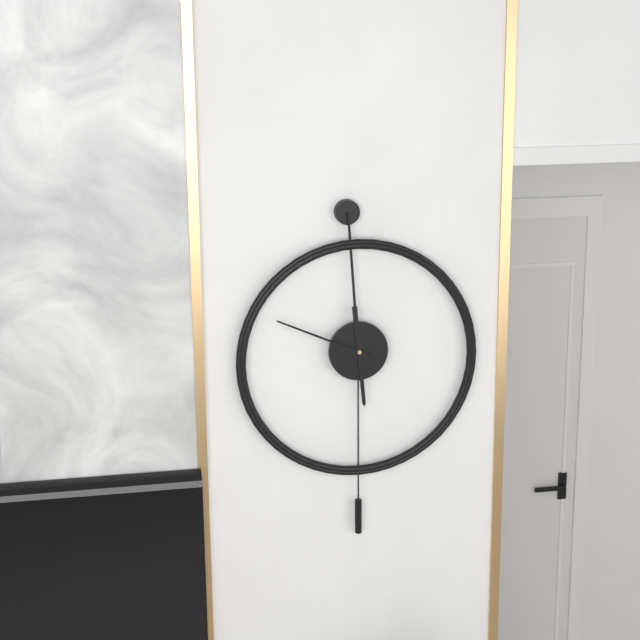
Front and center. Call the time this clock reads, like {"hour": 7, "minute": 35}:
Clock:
{"hour": 5, "minute": 49}
